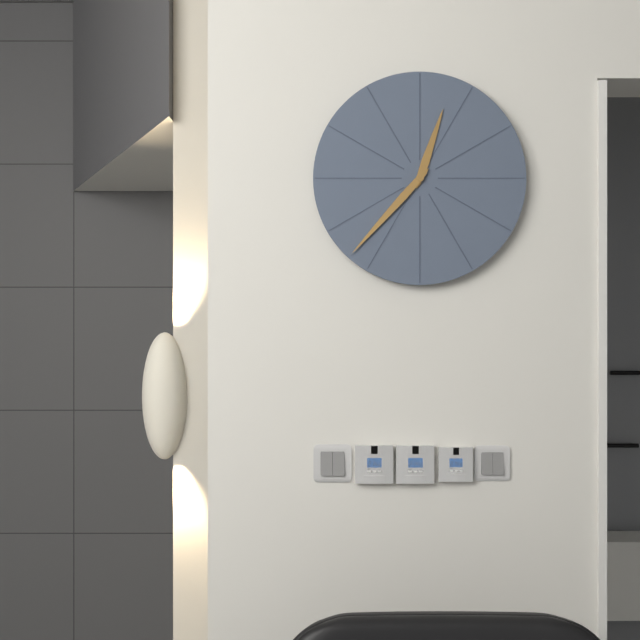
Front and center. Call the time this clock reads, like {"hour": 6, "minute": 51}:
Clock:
{"hour": 12, "minute": 37}
